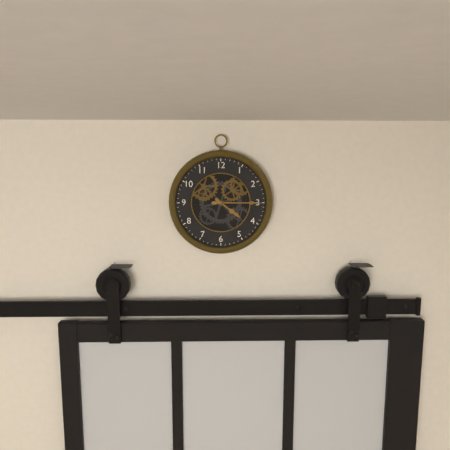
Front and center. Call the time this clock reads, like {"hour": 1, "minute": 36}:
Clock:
{"hour": 4, "minute": 15}
